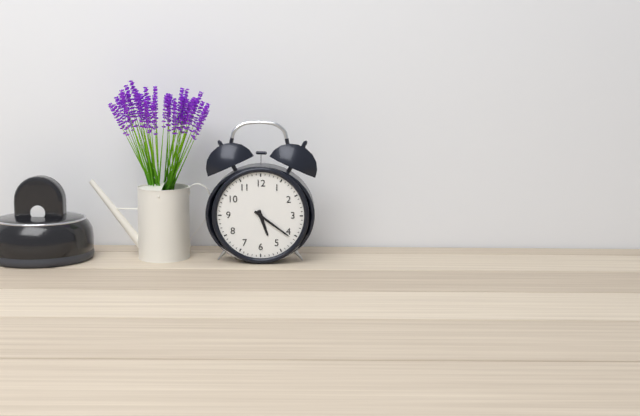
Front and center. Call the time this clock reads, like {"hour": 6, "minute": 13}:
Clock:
{"hour": 5, "minute": 21}
